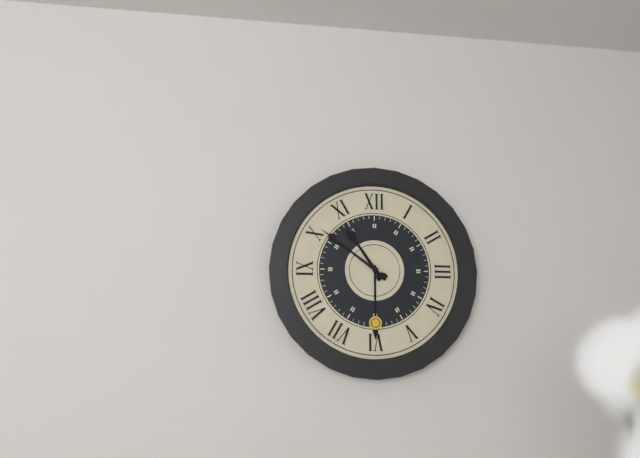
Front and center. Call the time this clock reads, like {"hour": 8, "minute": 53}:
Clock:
{"hour": 10, "minute": 51}
